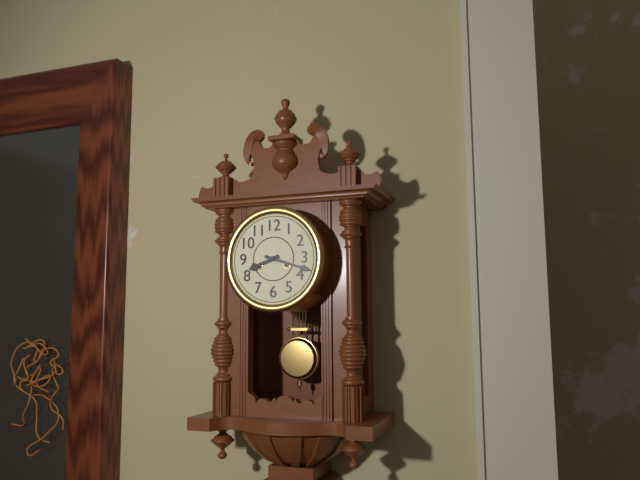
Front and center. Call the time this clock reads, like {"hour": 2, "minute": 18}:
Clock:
{"hour": 8, "minute": 18}
